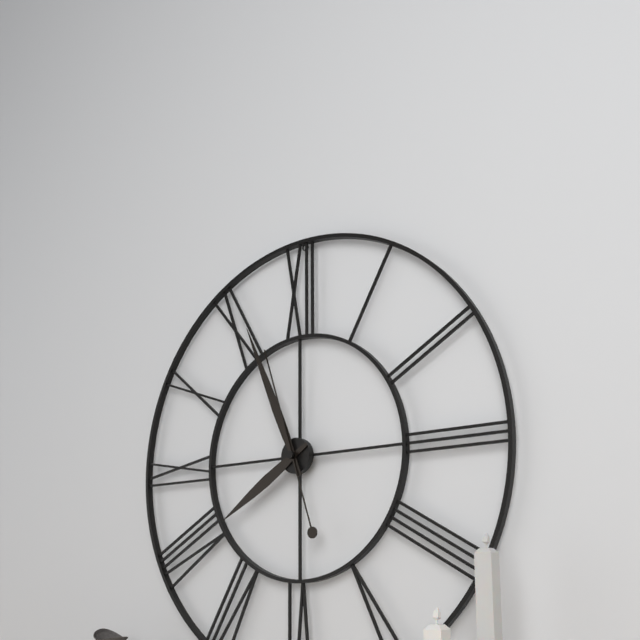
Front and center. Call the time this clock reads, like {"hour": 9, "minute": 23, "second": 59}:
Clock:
{"hour": 7, "minute": 56, "second": 57}
